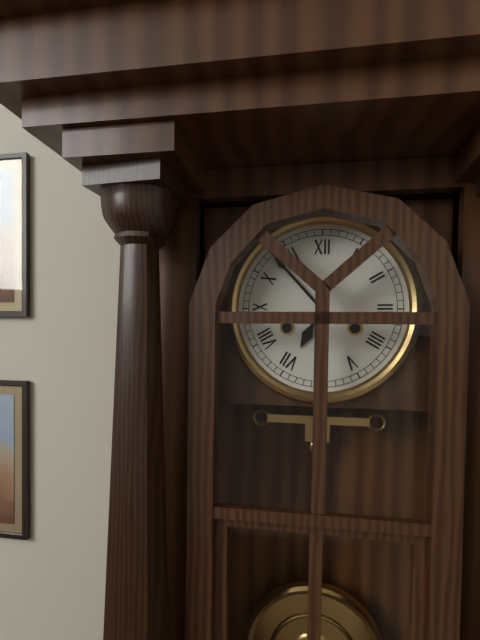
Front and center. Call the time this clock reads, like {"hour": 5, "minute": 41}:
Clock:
{"hour": 6, "minute": 53}
